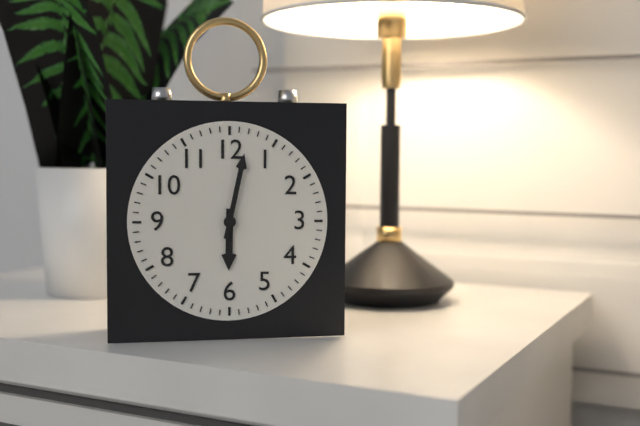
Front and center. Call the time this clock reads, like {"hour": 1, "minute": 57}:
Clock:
{"hour": 6, "minute": 2}
